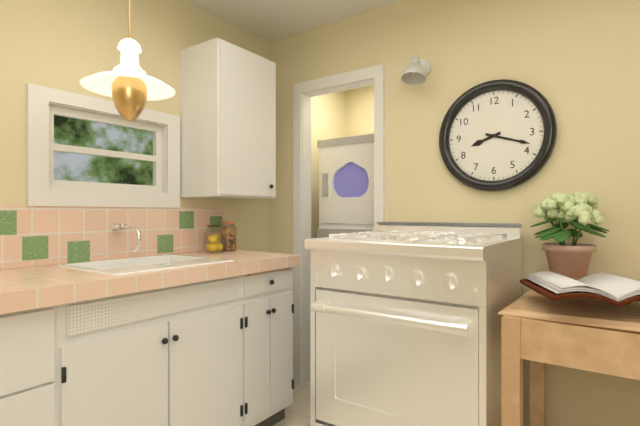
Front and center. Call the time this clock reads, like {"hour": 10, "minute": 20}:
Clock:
{"hour": 8, "minute": 18}
